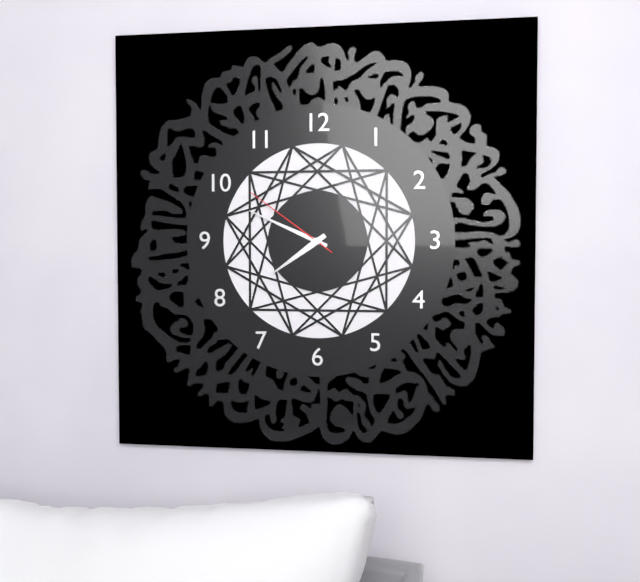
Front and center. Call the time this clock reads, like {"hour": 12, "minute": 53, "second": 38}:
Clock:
{"hour": 7, "minute": 49, "second": 51}
